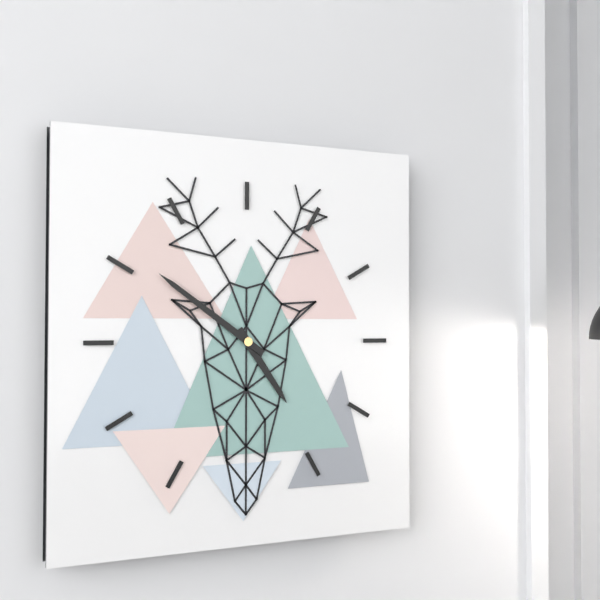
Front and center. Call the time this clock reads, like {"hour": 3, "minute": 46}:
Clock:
{"hour": 4, "minute": 51}
